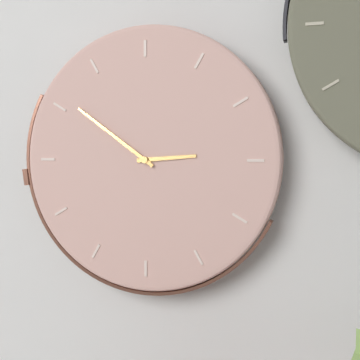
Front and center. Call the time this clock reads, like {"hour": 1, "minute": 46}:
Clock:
{"hour": 2, "minute": 51}
